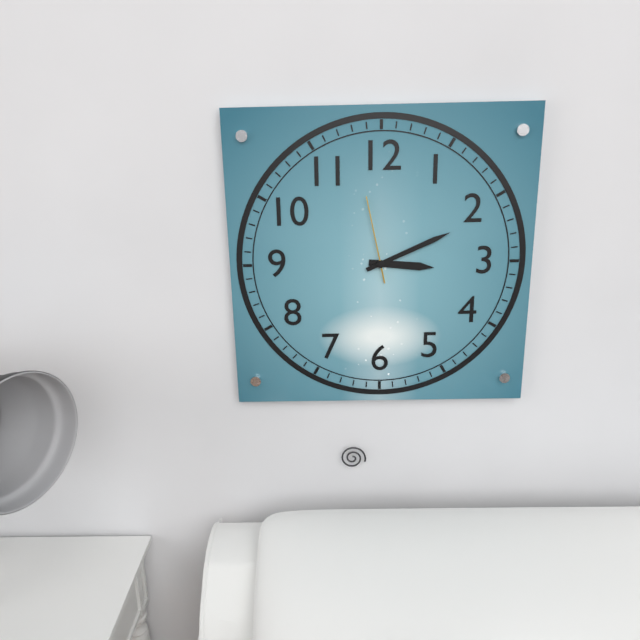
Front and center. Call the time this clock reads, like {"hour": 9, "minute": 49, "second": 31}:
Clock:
{"hour": 3, "minute": 11, "second": 58}
